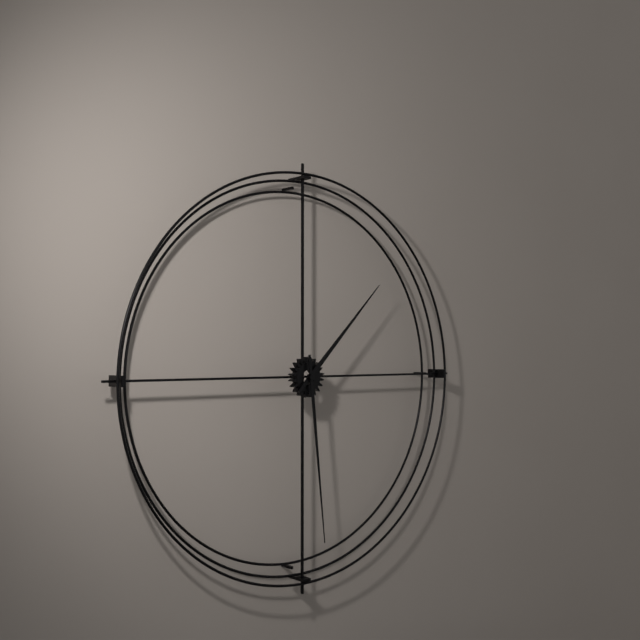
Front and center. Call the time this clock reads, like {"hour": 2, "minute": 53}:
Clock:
{"hour": 1, "minute": 29}
